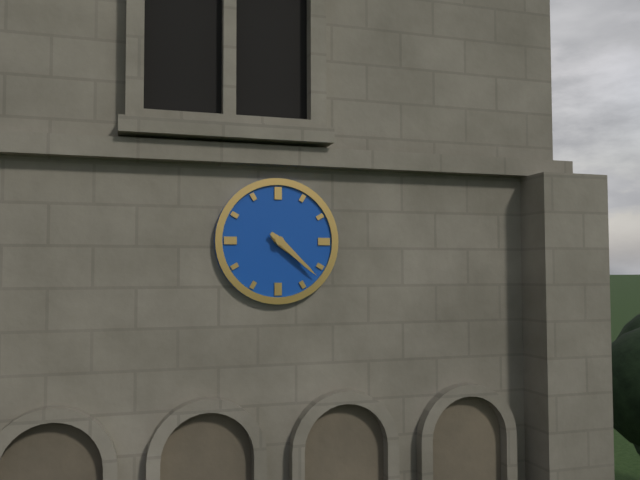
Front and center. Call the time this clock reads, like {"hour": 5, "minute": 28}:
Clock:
{"hour": 4, "minute": 22}
